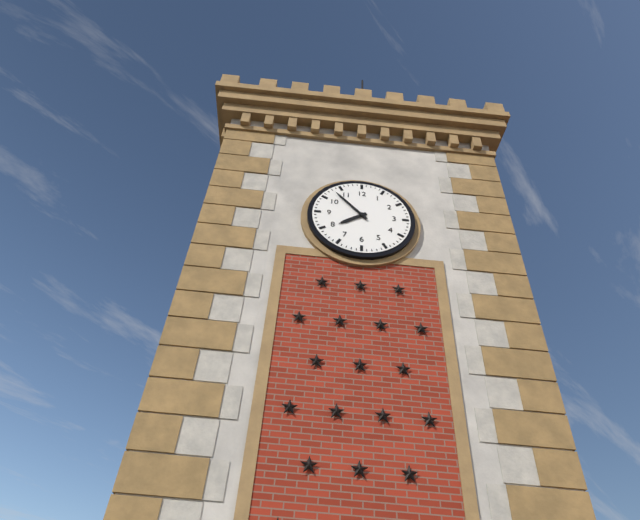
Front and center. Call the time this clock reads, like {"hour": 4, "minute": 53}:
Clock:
{"hour": 7, "minute": 53}
